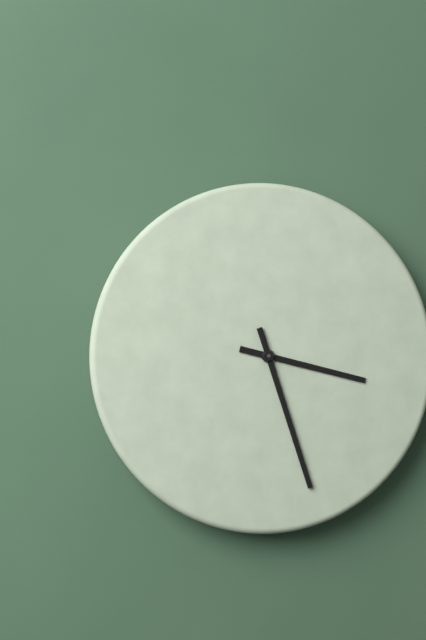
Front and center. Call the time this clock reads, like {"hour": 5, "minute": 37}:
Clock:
{"hour": 3, "minute": 27}
